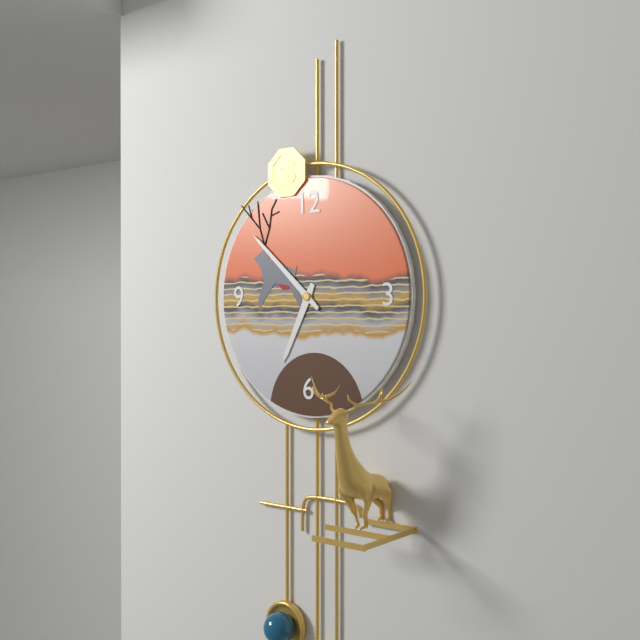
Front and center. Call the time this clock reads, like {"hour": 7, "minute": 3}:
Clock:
{"hour": 6, "minute": 52}
